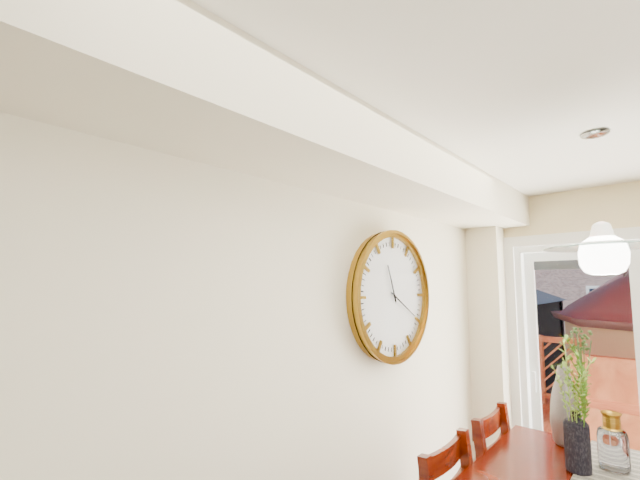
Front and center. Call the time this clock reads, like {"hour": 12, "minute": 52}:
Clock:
{"hour": 11, "minute": 20}
